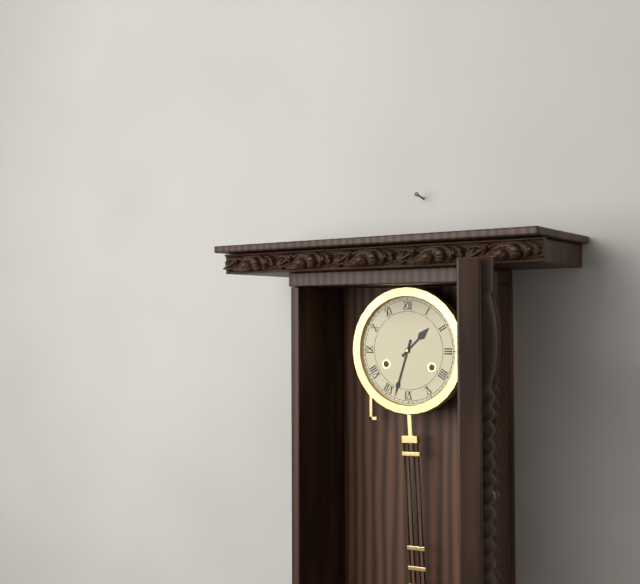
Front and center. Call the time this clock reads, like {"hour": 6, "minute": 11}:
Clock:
{"hour": 1, "minute": 33}
